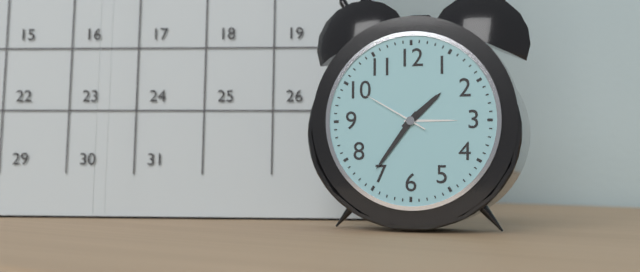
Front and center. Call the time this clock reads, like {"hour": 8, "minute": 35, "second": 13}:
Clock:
{"hour": 1, "minute": 36, "second": 50}
